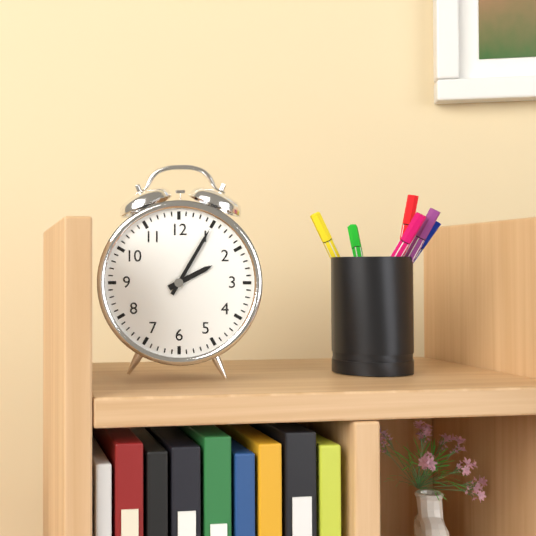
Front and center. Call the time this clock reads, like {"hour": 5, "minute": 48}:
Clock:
{"hour": 2, "minute": 5}
